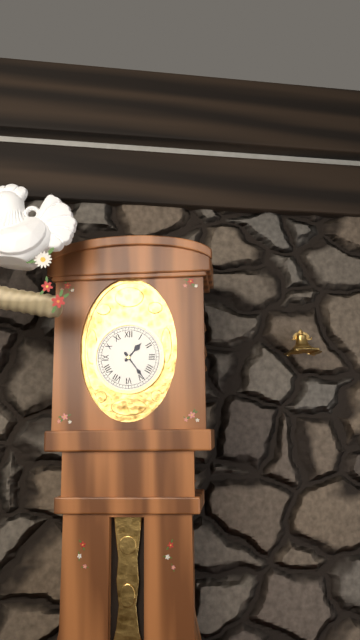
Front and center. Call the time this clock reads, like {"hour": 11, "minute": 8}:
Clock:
{"hour": 1, "minute": 24}
